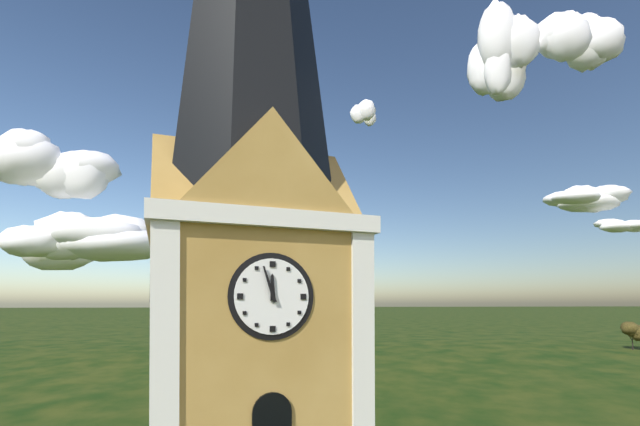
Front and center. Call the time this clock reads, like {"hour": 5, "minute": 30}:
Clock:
{"hour": 11, "minute": 57}
